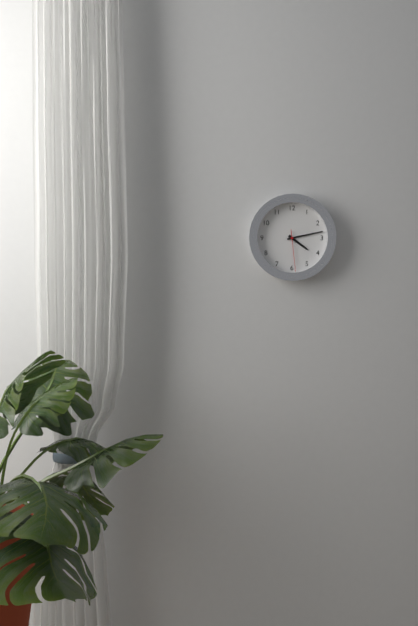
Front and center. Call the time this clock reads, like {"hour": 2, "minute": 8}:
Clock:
{"hour": 4, "minute": 13}
